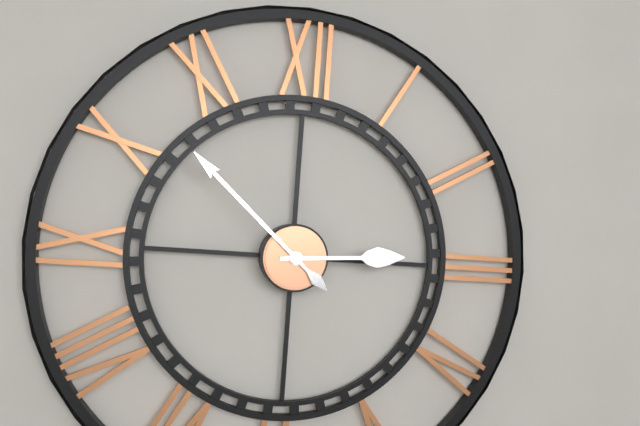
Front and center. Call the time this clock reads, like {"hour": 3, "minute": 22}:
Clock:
{"hour": 2, "minute": 52}
